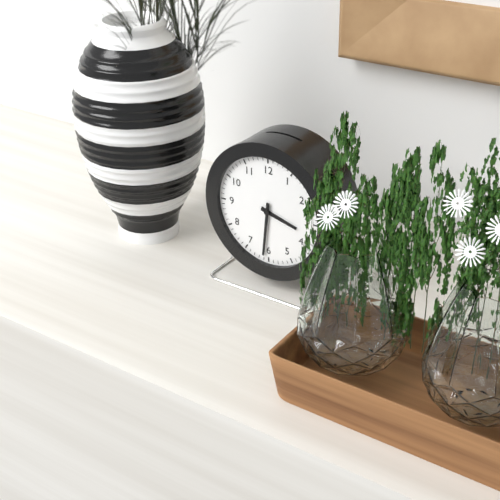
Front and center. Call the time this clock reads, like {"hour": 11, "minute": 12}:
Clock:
{"hour": 3, "minute": 31}
